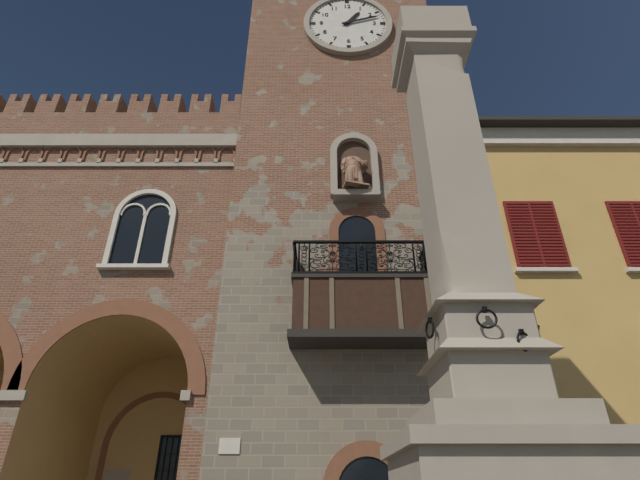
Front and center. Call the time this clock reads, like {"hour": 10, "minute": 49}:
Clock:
{"hour": 1, "minute": 12}
